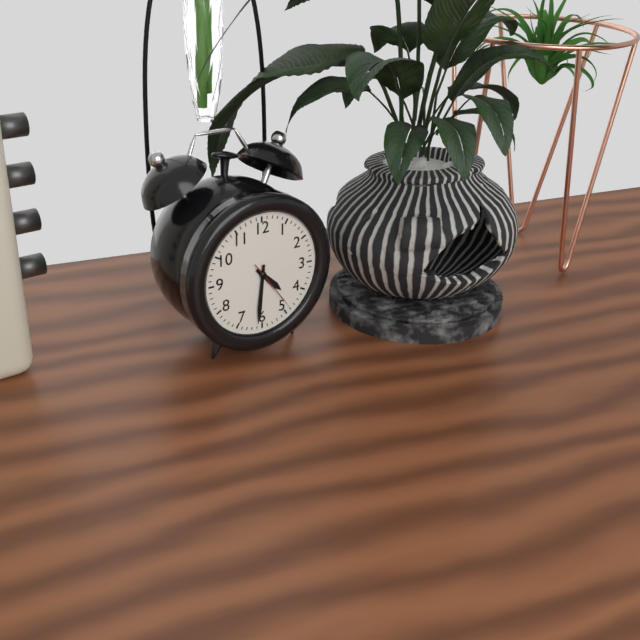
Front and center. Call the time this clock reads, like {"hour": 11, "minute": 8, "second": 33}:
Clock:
{"hour": 4, "minute": 31, "second": 24}
